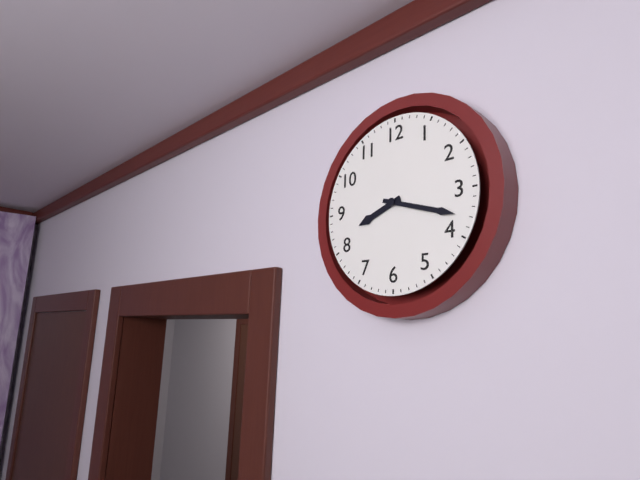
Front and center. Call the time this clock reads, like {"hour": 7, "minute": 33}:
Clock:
{"hour": 8, "minute": 18}
